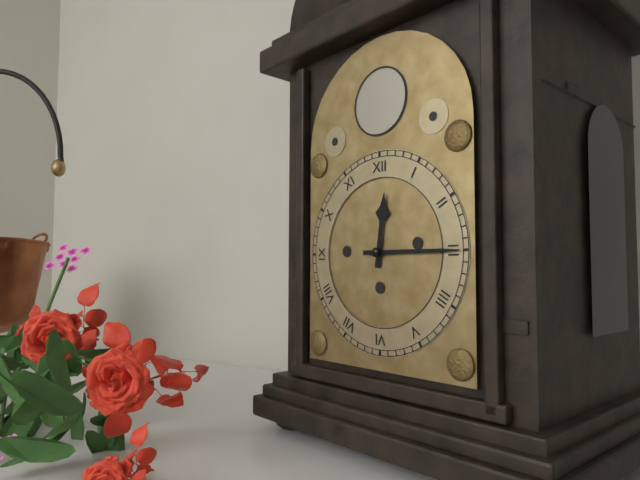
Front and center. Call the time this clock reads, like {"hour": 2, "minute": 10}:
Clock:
{"hour": 12, "minute": 15}
